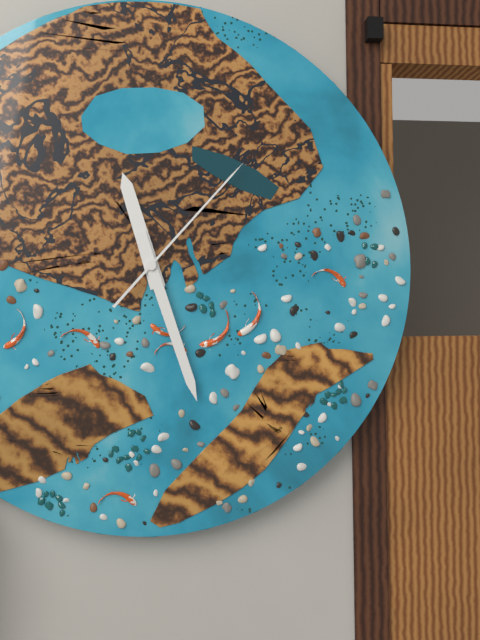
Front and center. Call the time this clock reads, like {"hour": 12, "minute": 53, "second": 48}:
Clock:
{"hour": 11, "minute": 27, "second": 7}
